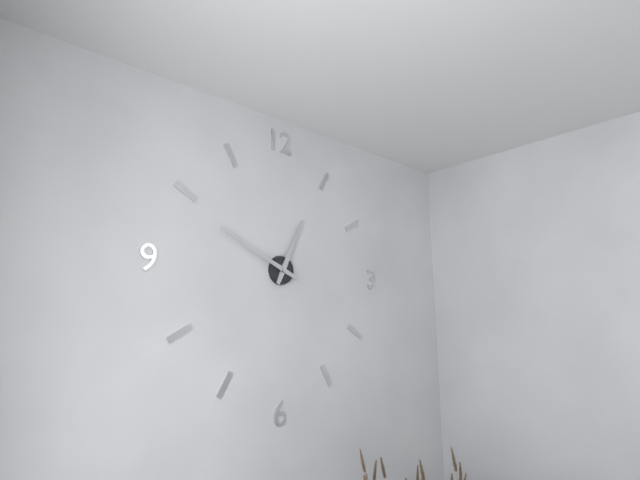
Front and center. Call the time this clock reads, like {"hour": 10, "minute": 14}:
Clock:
{"hour": 12, "minute": 49}
